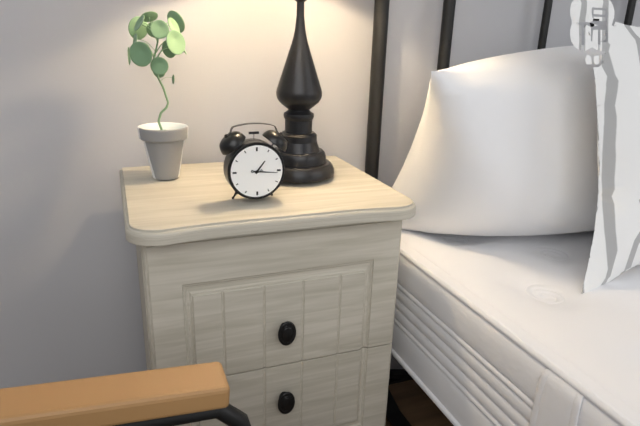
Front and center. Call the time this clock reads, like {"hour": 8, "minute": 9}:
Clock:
{"hour": 1, "minute": 16}
